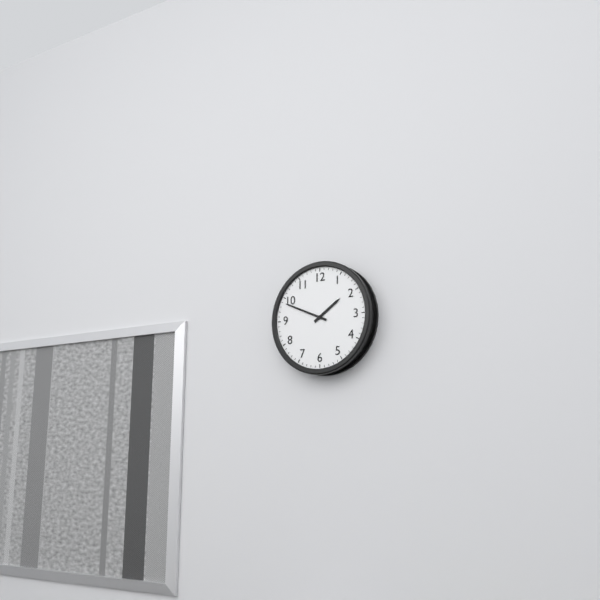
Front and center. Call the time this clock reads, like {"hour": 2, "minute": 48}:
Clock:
{"hour": 1, "minute": 49}
